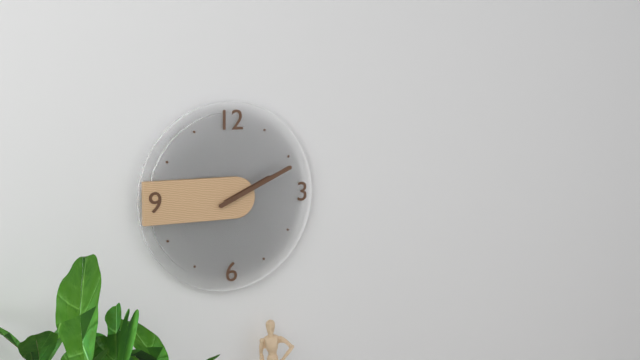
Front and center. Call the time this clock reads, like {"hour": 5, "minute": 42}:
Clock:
{"hour": 2, "minute": 11}
